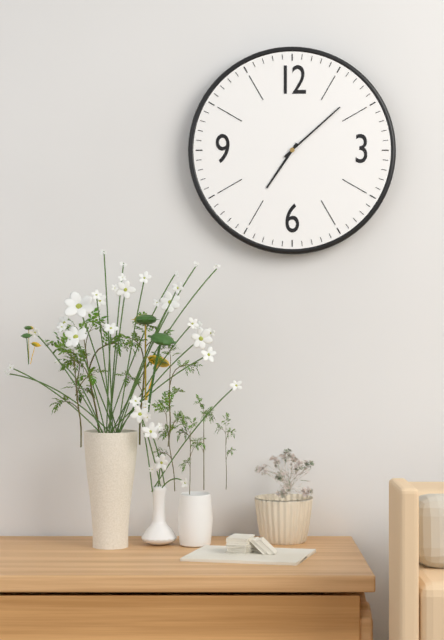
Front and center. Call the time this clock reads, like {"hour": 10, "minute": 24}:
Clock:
{"hour": 7, "minute": 8}
